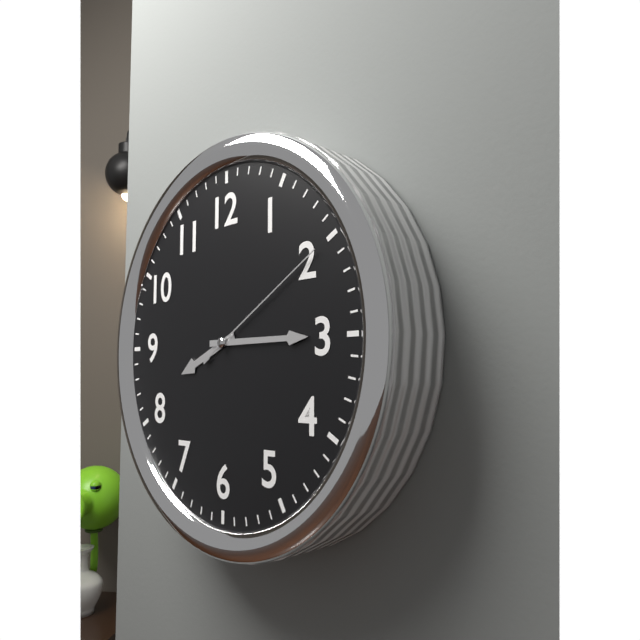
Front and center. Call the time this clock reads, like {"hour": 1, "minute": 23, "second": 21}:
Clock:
{"hour": 8, "minute": 15, "second": 10}
